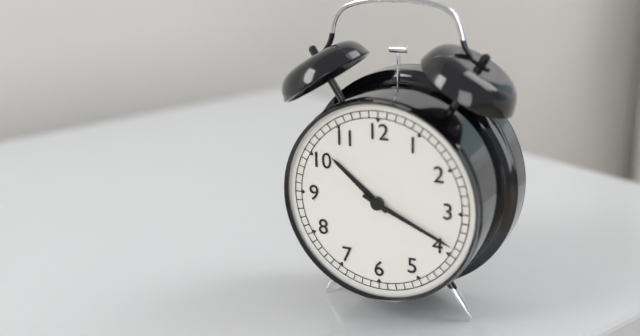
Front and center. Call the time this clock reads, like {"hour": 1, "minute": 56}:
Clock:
{"hour": 10, "minute": 19}
